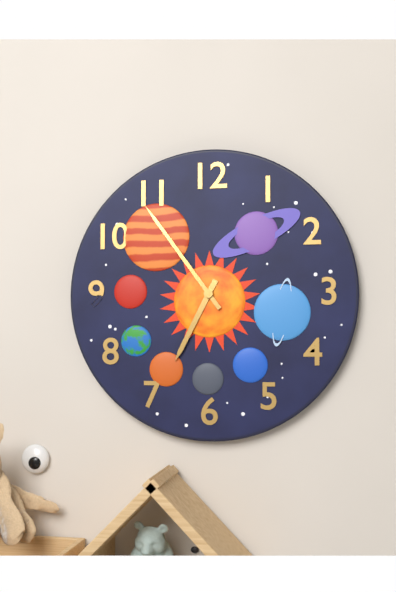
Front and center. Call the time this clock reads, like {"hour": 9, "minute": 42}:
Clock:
{"hour": 6, "minute": 54}
